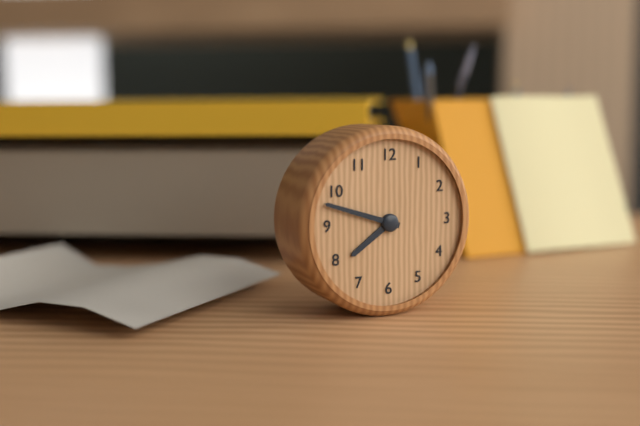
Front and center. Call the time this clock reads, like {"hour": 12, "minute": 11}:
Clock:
{"hour": 7, "minute": 48}
